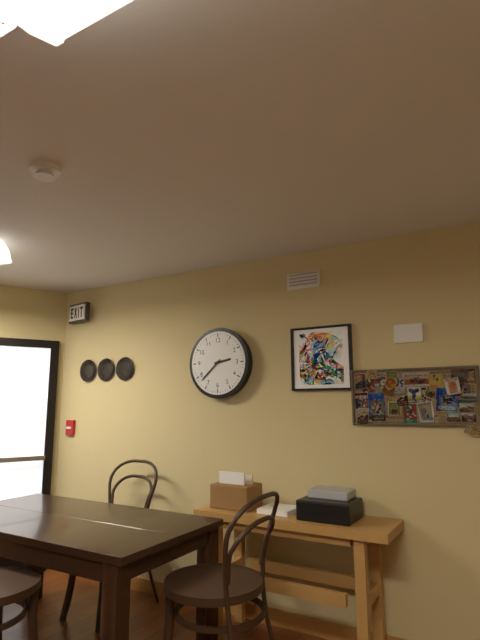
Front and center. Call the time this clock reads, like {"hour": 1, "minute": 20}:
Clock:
{"hour": 2, "minute": 38}
